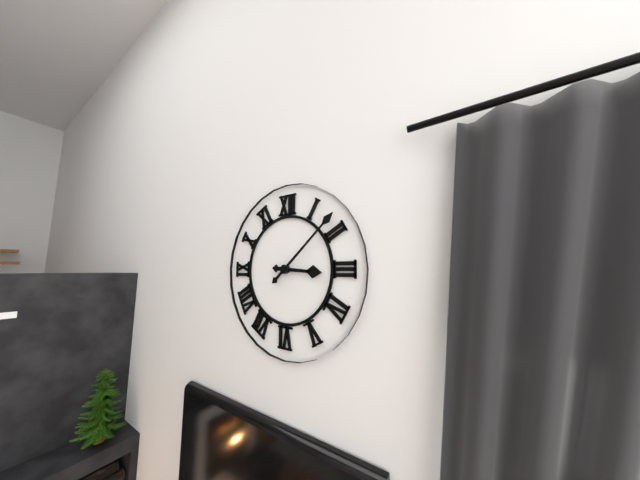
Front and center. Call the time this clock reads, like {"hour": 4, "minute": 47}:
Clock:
{"hour": 3, "minute": 8}
